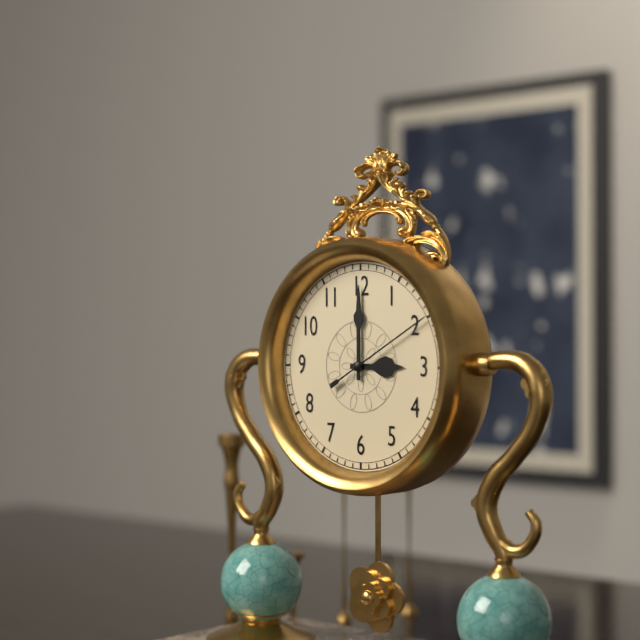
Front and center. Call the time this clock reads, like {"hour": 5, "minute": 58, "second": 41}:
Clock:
{"hour": 3, "minute": 0, "second": 10}
